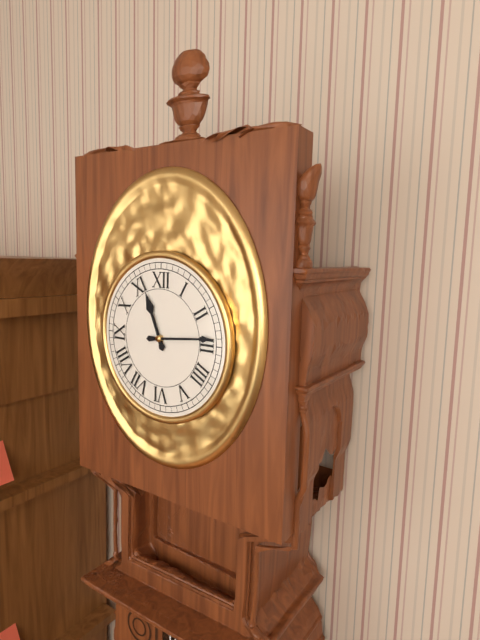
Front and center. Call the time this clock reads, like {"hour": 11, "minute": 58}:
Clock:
{"hour": 11, "minute": 14}
